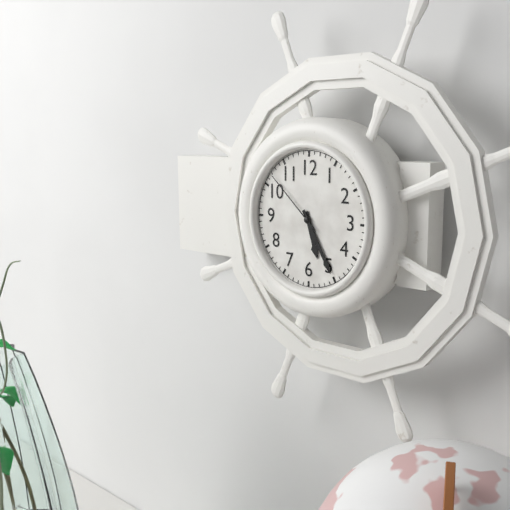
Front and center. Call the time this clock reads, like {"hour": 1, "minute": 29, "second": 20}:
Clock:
{"hour": 5, "minute": 25, "second": 52}
